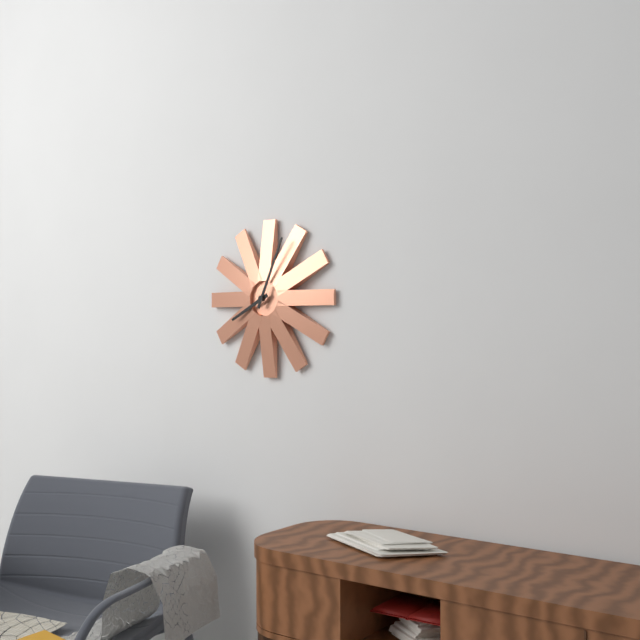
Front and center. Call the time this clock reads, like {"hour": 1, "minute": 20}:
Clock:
{"hour": 8, "minute": 4}
